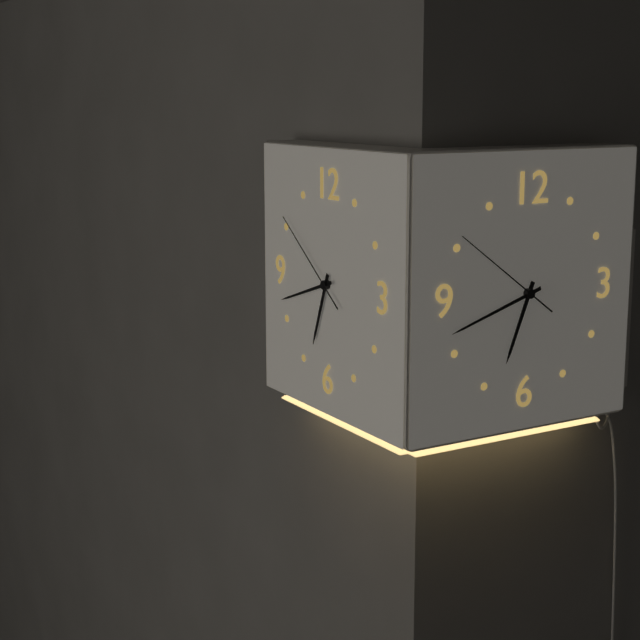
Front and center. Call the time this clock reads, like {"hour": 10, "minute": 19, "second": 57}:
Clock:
{"hour": 6, "minute": 42, "second": 51}
